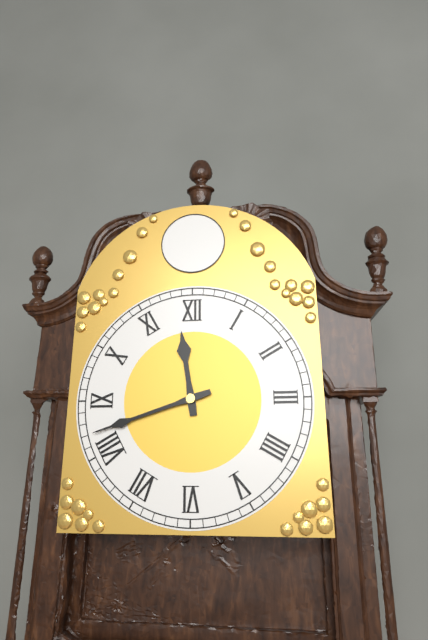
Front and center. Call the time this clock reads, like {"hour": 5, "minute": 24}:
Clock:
{"hour": 11, "minute": 42}
